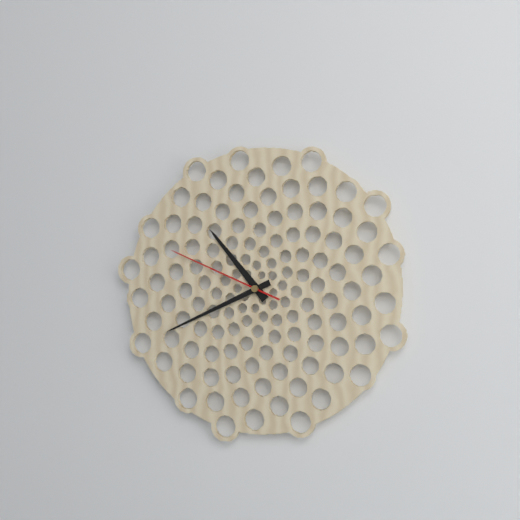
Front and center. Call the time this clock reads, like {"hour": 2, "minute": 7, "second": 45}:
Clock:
{"hour": 10, "minute": 41, "second": 49}
